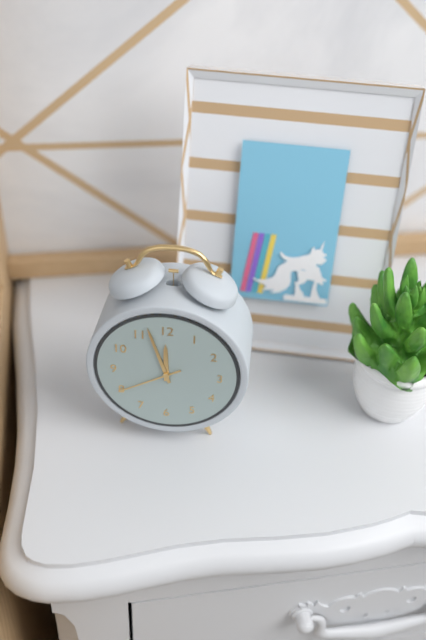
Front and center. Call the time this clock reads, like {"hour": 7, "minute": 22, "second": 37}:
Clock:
{"hour": 11, "minute": 57, "second": 40}
